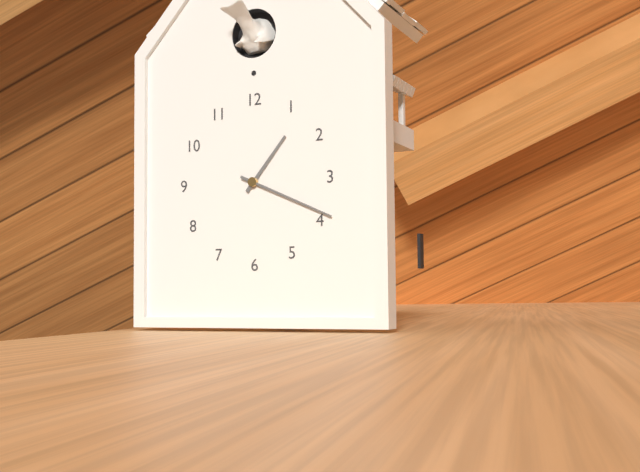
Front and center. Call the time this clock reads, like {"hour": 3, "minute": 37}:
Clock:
{"hour": 1, "minute": 19}
